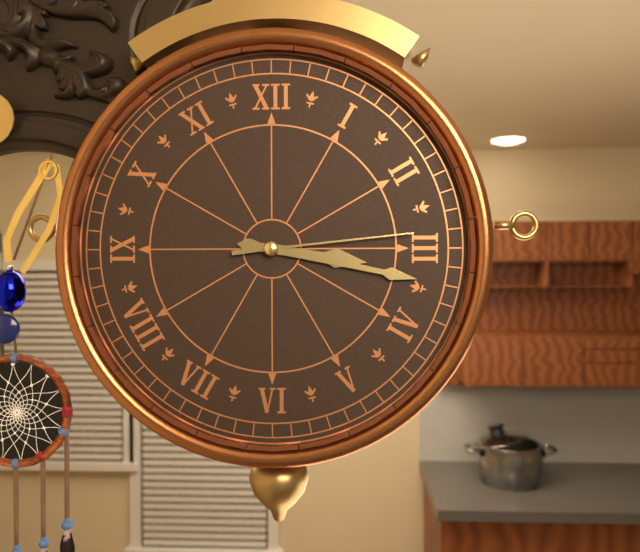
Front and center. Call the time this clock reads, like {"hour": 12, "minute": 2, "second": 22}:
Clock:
{"hour": 3, "minute": 17, "second": 14}
